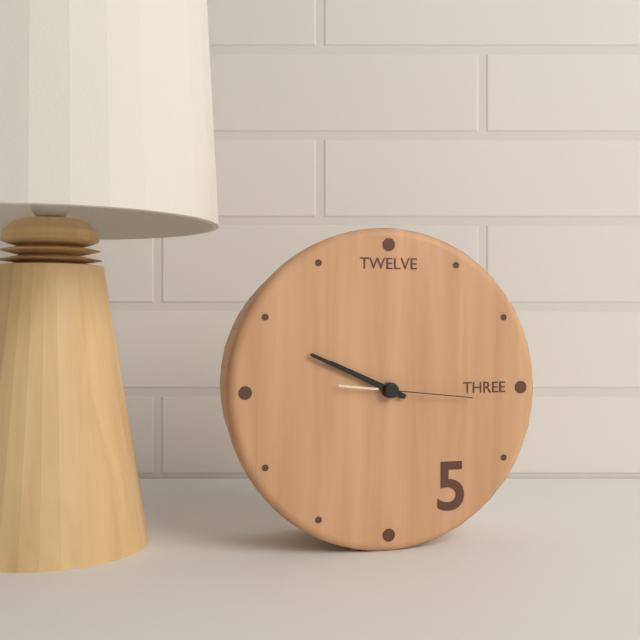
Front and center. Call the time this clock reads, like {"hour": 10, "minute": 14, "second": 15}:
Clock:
{"hour": 9, "minute": 49, "second": 16}
